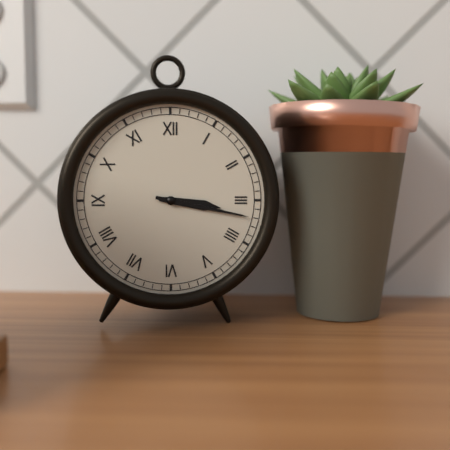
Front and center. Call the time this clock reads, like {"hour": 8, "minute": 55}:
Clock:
{"hour": 3, "minute": 17}
